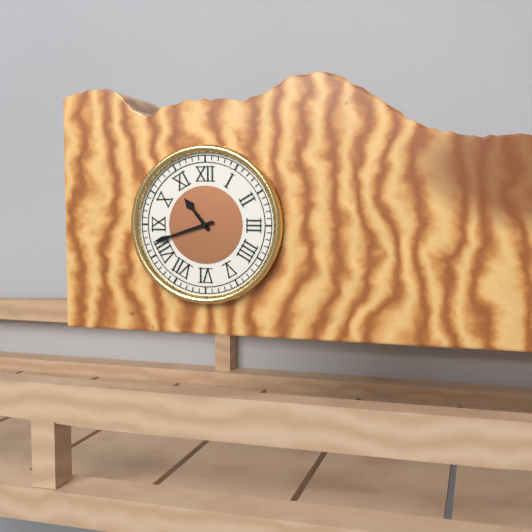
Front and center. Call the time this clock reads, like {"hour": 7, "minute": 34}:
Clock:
{"hour": 10, "minute": 42}
